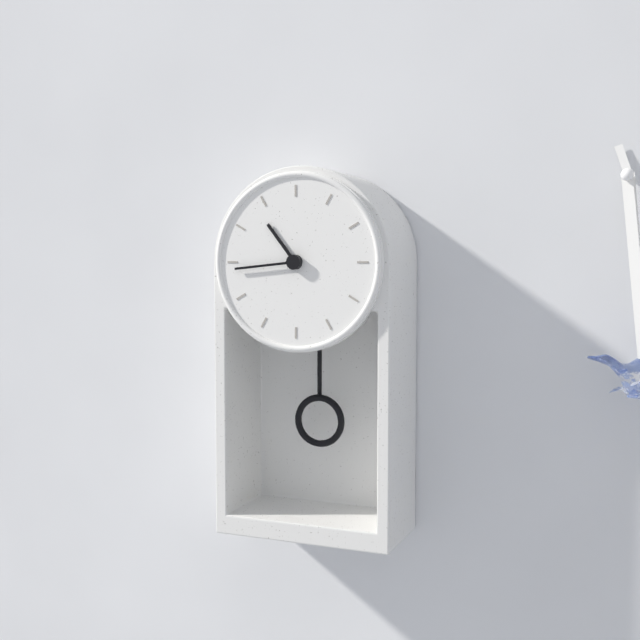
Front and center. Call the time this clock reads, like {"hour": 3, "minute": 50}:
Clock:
{"hour": 10, "minute": 44}
